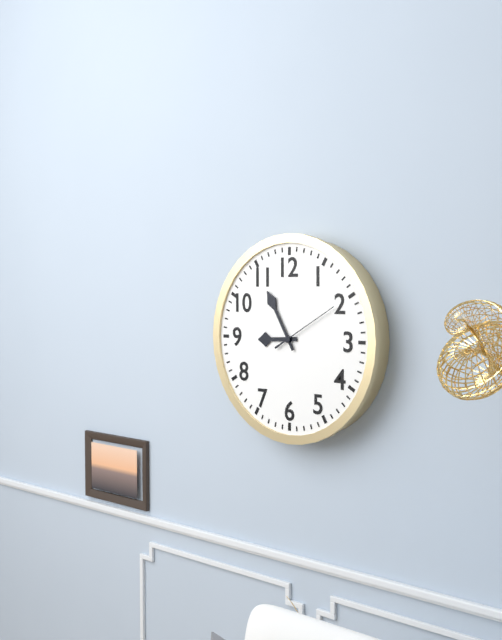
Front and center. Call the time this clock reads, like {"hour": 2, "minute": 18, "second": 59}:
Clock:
{"hour": 8, "minute": 55, "second": 10}
